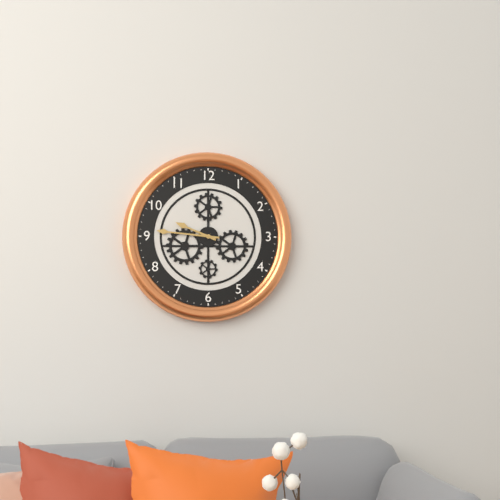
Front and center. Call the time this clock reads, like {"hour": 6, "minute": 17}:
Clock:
{"hour": 9, "minute": 46}
